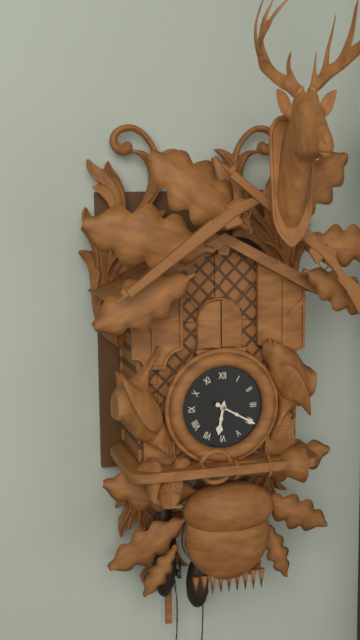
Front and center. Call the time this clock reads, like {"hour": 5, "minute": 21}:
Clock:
{"hour": 6, "minute": 20}
